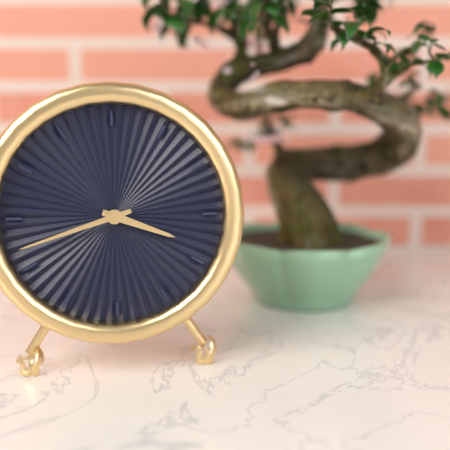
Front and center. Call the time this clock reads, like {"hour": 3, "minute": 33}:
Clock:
{"hour": 3, "minute": 42}
